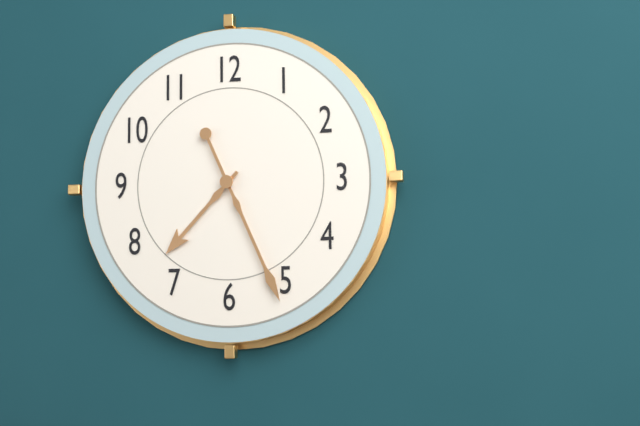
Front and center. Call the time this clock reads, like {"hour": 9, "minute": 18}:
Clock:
{"hour": 7, "minute": 26}
